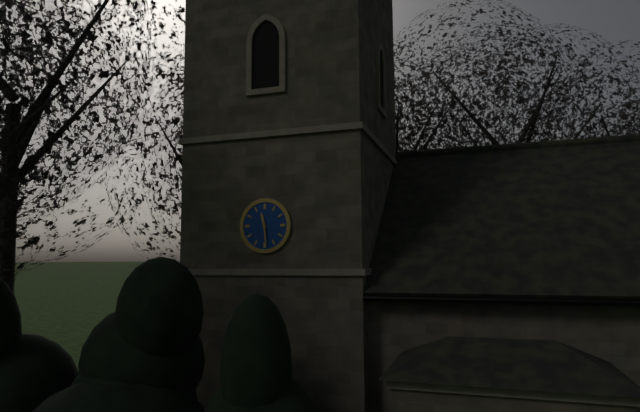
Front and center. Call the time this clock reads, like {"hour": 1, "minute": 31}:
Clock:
{"hour": 11, "minute": 29}
